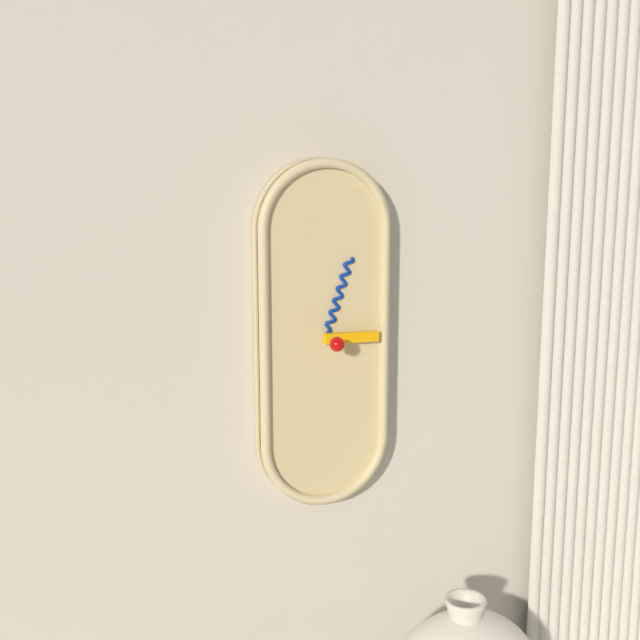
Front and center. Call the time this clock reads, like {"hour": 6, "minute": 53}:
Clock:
{"hour": 3, "minute": 3}
